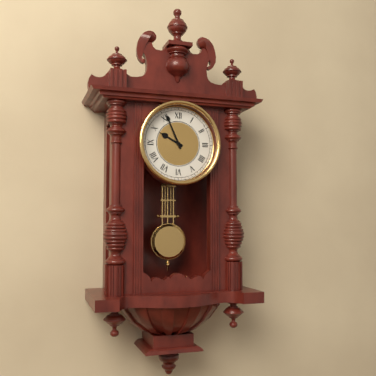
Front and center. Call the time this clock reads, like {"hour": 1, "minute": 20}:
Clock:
{"hour": 9, "minute": 56}
